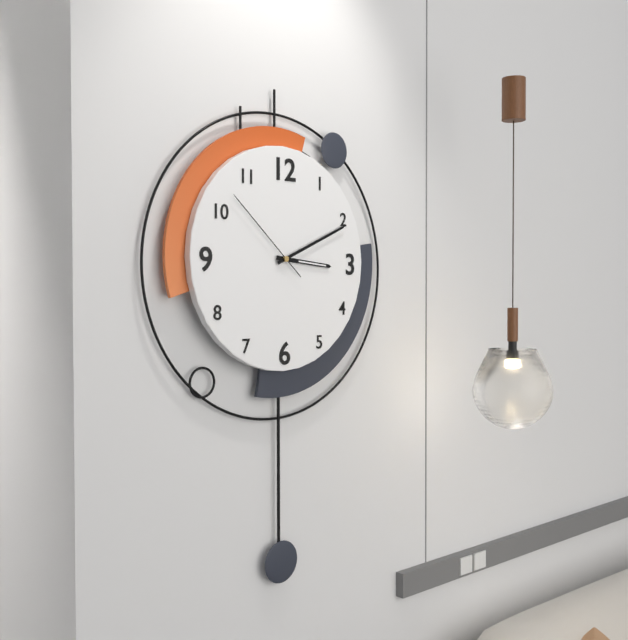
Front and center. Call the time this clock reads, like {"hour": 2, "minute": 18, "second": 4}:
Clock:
{"hour": 3, "minute": 11, "second": 52}
